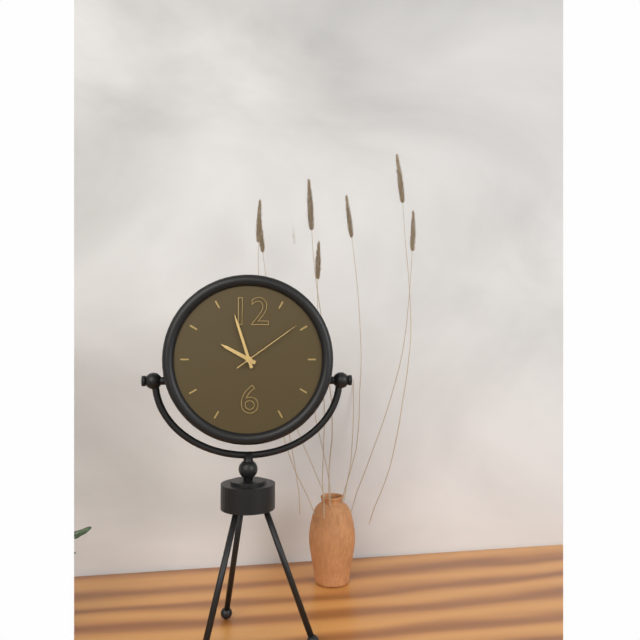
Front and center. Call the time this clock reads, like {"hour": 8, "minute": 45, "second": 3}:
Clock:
{"hour": 9, "minute": 57, "second": 9}
